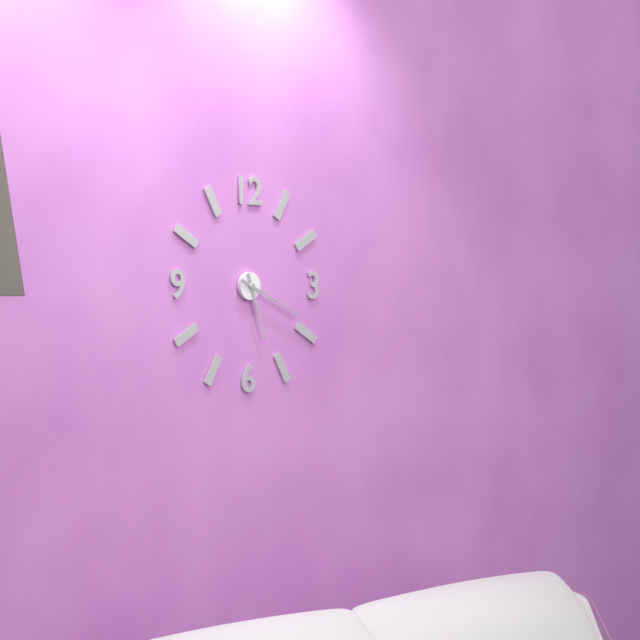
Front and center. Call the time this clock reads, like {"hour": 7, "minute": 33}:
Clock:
{"hour": 5, "minute": 19}
